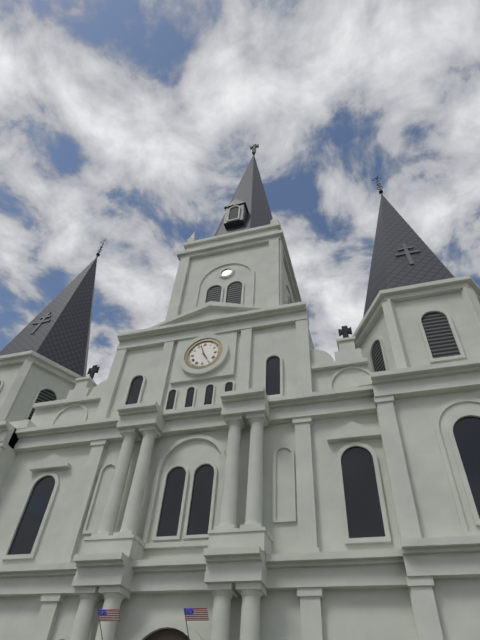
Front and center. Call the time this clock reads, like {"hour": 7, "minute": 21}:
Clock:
{"hour": 4, "minute": 57}
